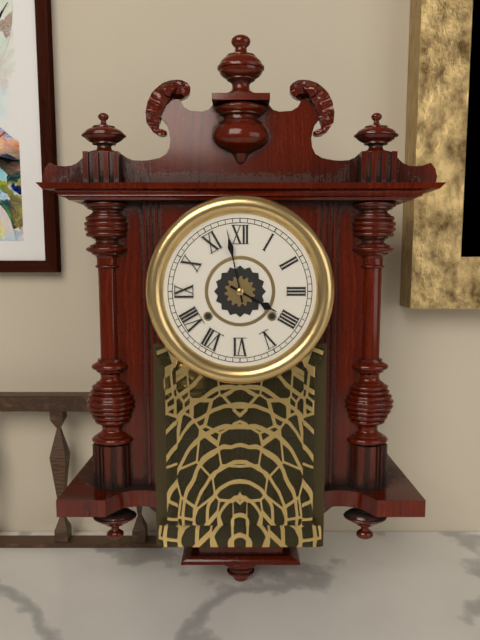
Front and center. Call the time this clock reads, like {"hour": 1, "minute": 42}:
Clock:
{"hour": 3, "minute": 58}
